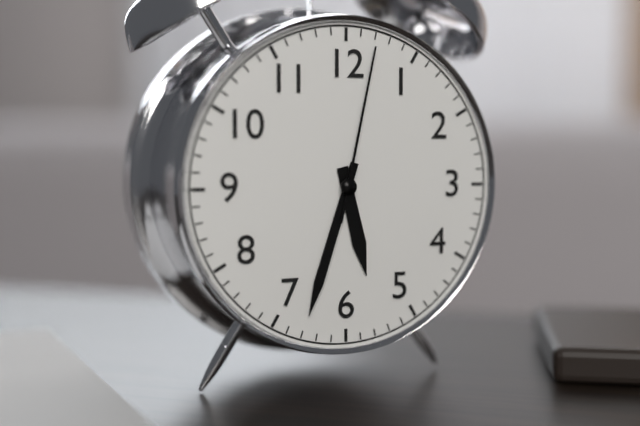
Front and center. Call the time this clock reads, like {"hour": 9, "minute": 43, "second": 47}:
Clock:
{"hour": 5, "minute": 33, "second": 2}
